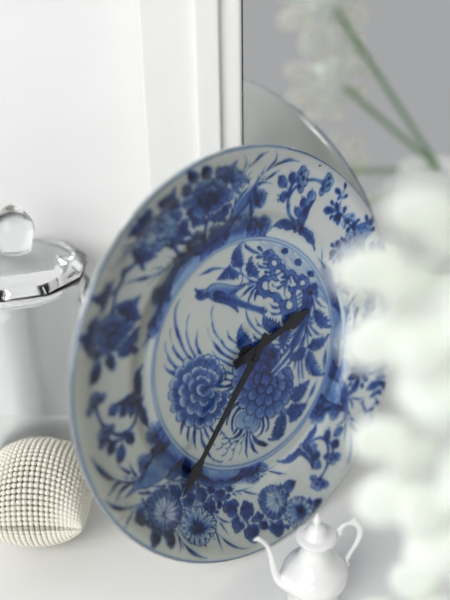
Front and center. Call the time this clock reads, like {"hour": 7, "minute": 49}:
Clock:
{"hour": 2, "minute": 38}
